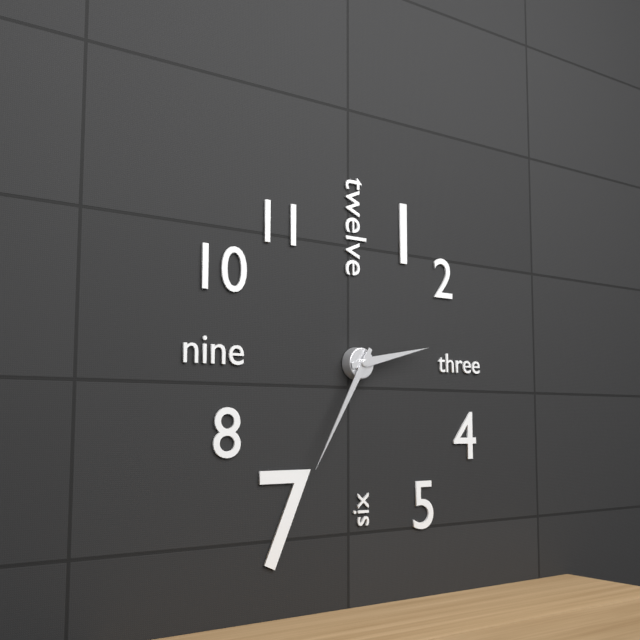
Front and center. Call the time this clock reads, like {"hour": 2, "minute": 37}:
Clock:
{"hour": 2, "minute": 35}
